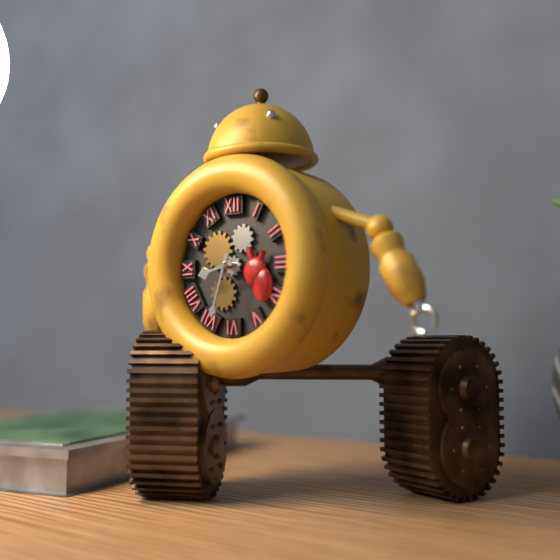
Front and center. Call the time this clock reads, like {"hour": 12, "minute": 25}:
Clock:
{"hour": 8, "minute": 33}
